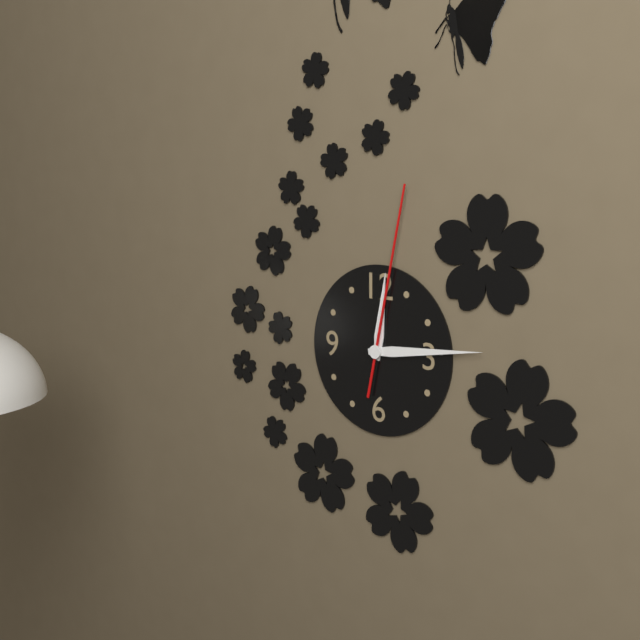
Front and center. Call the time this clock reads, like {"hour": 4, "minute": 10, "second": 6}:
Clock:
{"hour": 12, "minute": 14, "second": 2}
